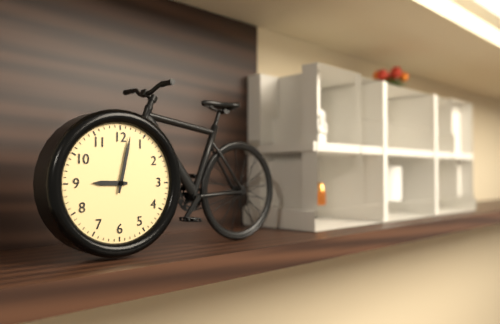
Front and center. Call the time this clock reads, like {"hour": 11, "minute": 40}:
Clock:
{"hour": 9, "minute": 2}
